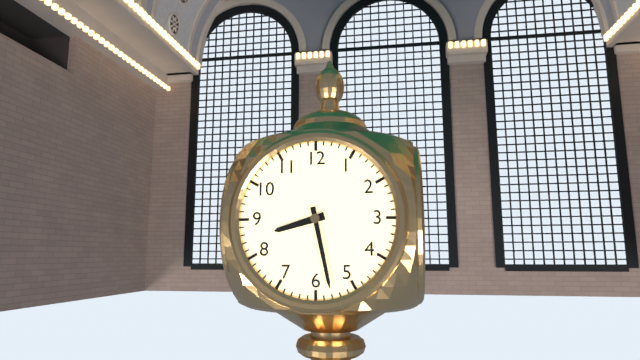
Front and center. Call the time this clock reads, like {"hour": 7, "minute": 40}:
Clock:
{"hour": 8, "minute": 28}
